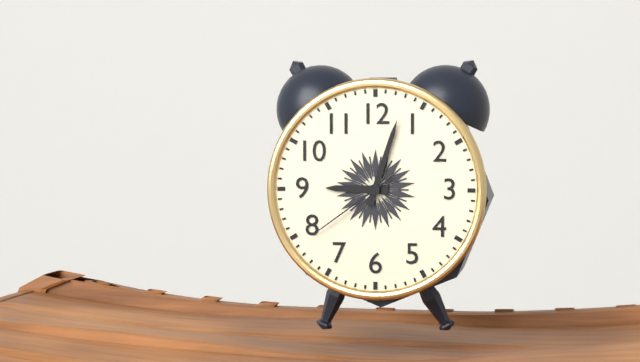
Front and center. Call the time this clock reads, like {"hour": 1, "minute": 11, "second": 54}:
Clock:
{"hour": 9, "minute": 3, "second": 39}
